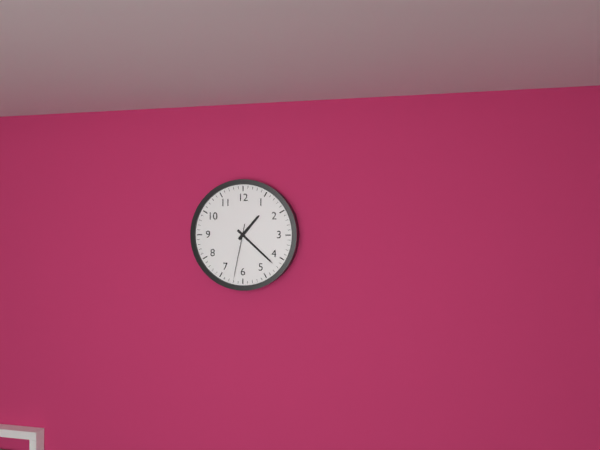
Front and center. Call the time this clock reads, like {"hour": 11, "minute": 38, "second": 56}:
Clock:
{"hour": 1, "minute": 22, "second": 32}
